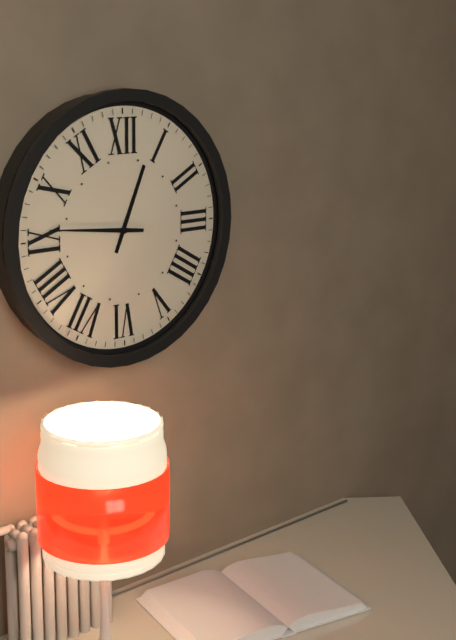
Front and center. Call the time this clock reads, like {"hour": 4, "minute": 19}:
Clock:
{"hour": 12, "minute": 46}
